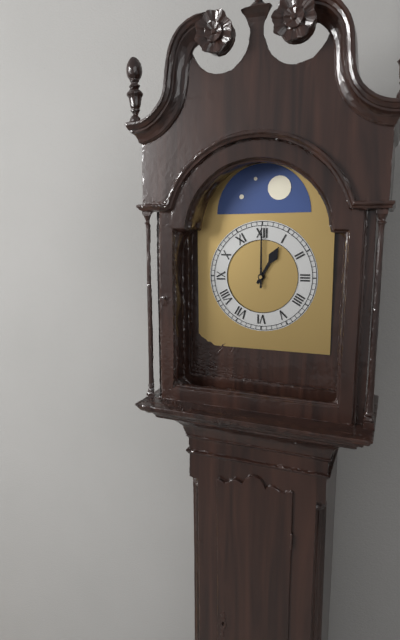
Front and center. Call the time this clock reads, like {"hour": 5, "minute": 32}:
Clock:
{"hour": 1, "minute": 0}
